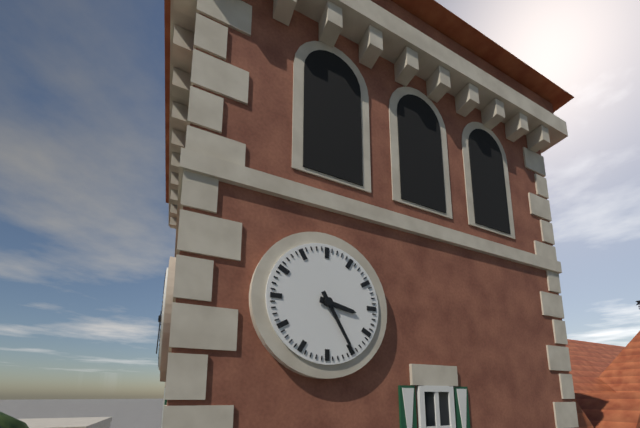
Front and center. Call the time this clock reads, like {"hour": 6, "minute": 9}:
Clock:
{"hour": 3, "minute": 25}
